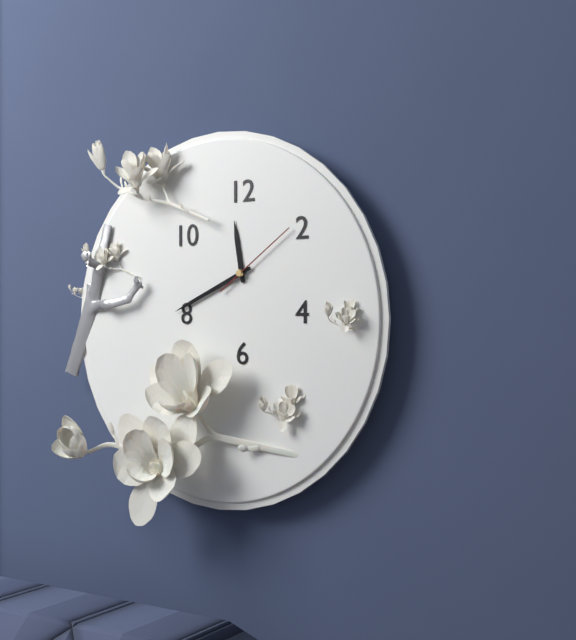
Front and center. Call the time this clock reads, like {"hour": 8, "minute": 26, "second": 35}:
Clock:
{"hour": 11, "minute": 41, "second": 9}
